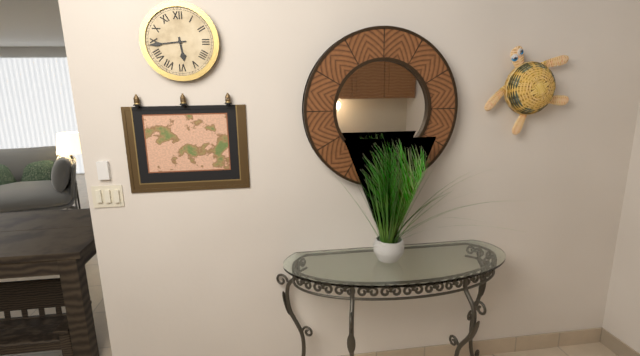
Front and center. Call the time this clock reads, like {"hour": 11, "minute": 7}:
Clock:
{"hour": 5, "minute": 44}
